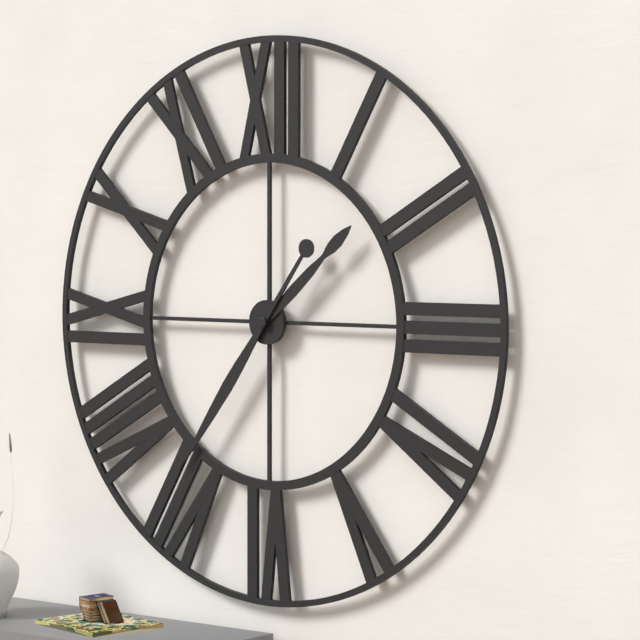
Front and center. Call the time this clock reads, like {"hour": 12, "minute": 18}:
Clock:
{"hour": 1, "minute": 36}
